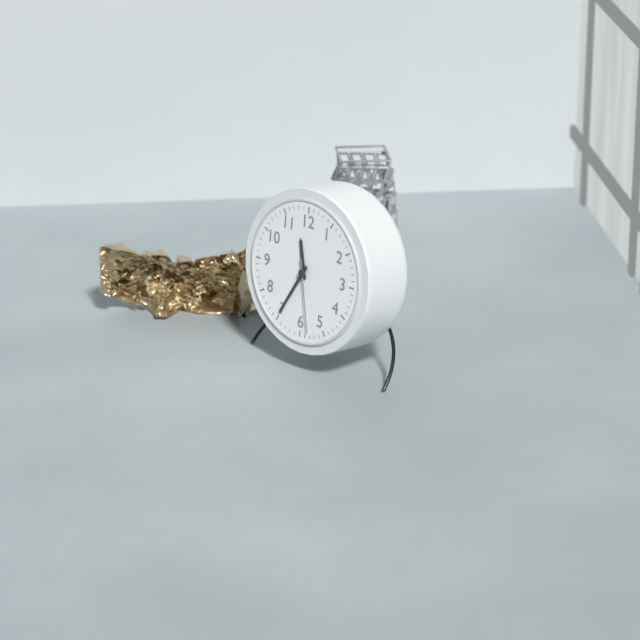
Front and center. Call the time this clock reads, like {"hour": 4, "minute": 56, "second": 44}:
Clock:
{"hour": 11, "minute": 35, "second": 28}
